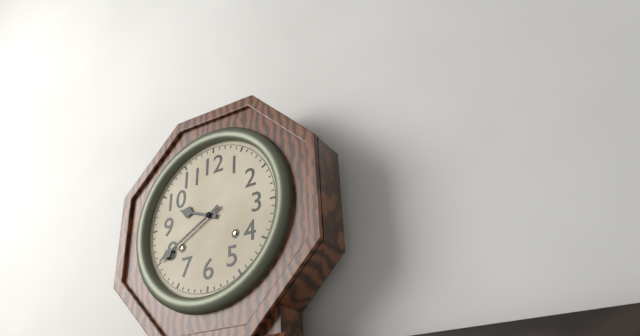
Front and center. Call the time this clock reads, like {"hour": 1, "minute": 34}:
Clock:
{"hour": 9, "minute": 40}
